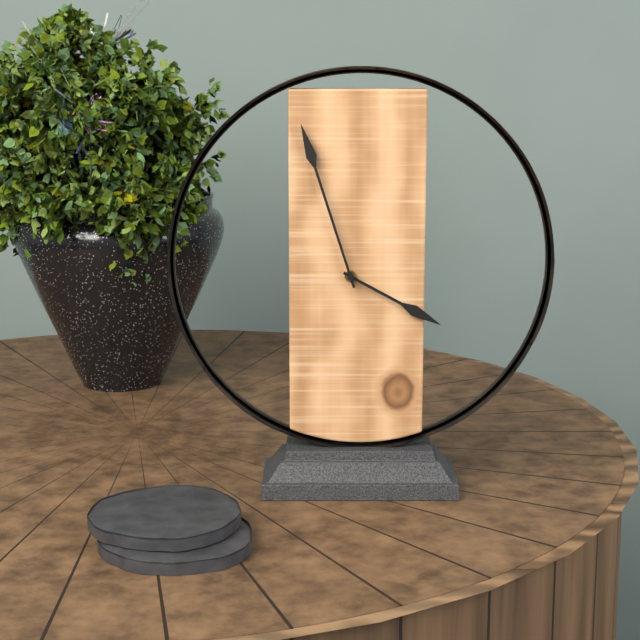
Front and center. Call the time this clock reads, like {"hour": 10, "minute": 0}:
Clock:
{"hour": 3, "minute": 57}
